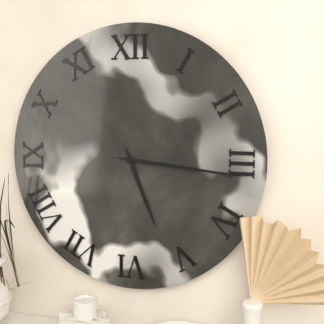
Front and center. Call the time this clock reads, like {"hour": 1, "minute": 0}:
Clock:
{"hour": 5, "minute": 16}
